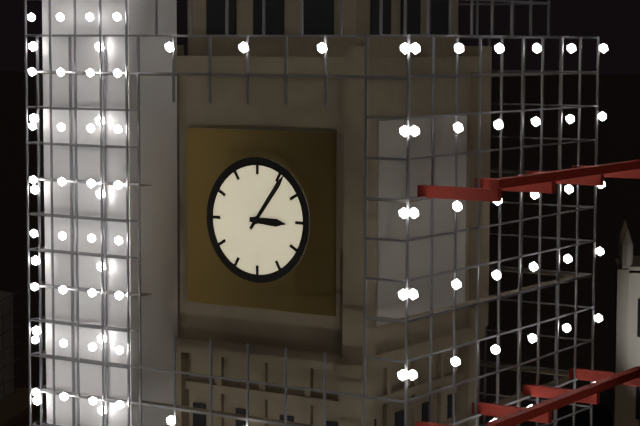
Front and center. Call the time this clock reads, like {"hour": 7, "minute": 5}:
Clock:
{"hour": 3, "minute": 6}
